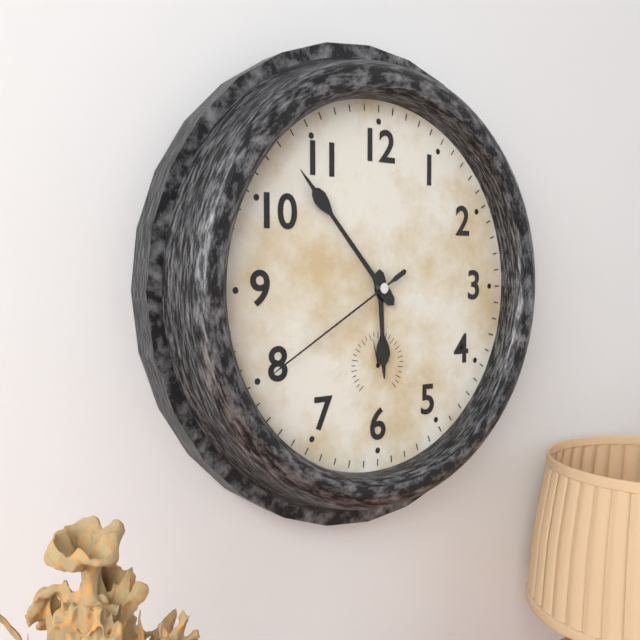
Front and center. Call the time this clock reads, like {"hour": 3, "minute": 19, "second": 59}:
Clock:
{"hour": 5, "minute": 53, "second": 40}
